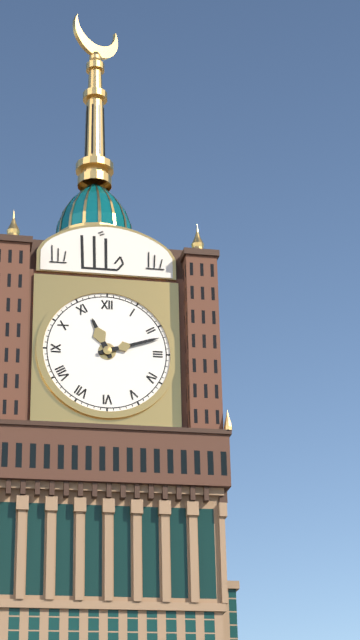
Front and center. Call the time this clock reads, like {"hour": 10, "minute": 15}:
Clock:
{"hour": 11, "minute": 12}
